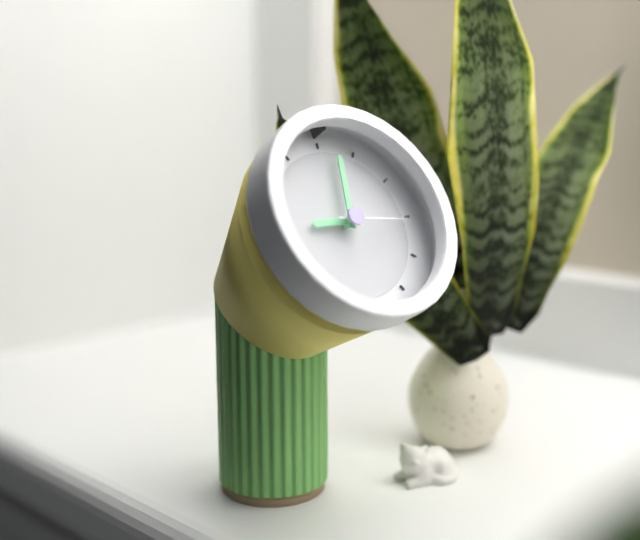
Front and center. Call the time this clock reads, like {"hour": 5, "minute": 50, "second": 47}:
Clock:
{"hour": 9, "minute": 2, "second": 16}
